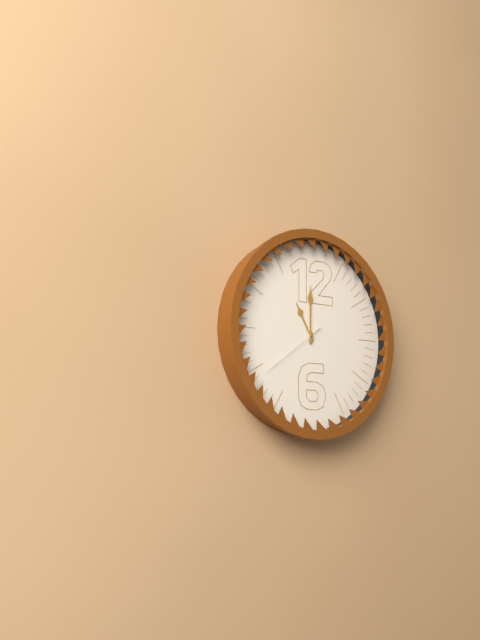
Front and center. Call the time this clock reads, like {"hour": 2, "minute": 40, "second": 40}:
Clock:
{"hour": 11, "minute": 0, "second": 39}
